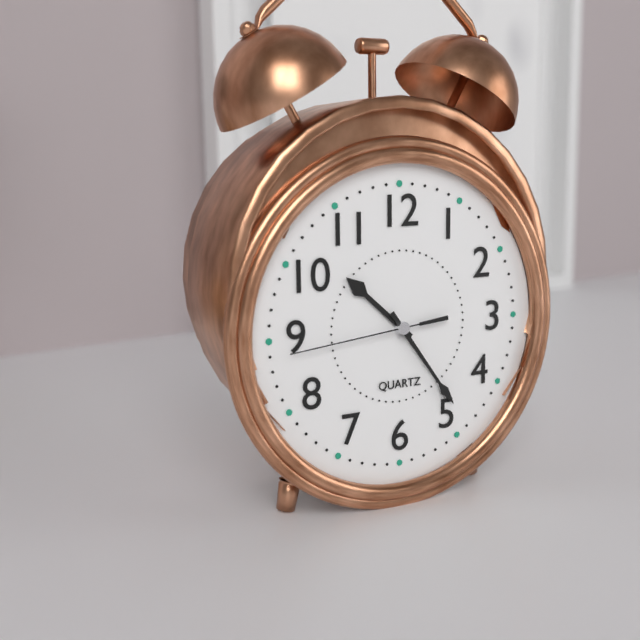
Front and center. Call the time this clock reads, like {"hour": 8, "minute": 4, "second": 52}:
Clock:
{"hour": 10, "minute": 24, "second": 44}
